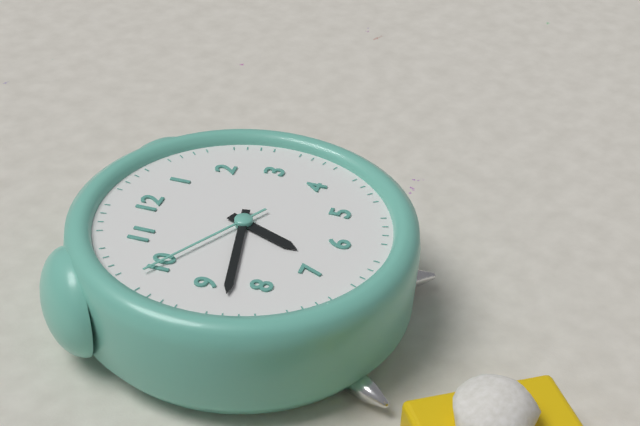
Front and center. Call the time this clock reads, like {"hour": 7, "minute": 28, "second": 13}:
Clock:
{"hour": 6, "minute": 43, "second": 50}
